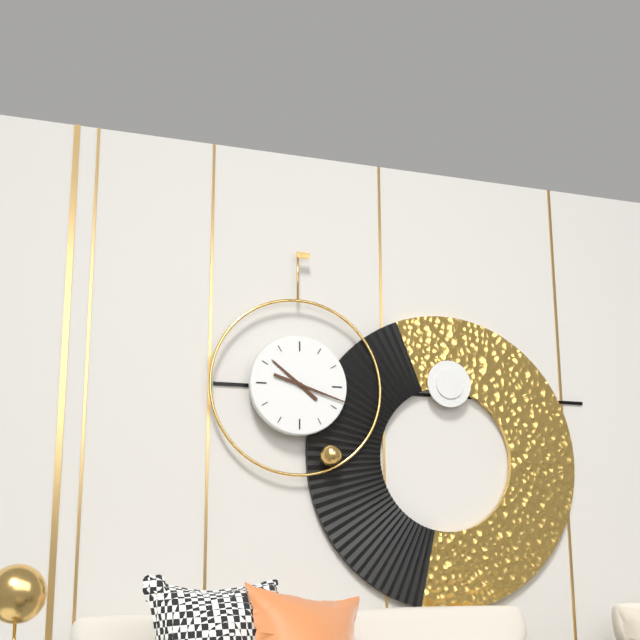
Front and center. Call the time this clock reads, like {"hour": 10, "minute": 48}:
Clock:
{"hour": 10, "minute": 18}
